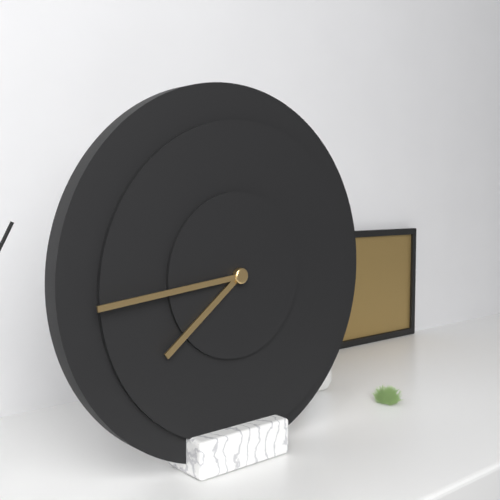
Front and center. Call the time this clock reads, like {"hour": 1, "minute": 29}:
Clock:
{"hour": 7, "minute": 44}
